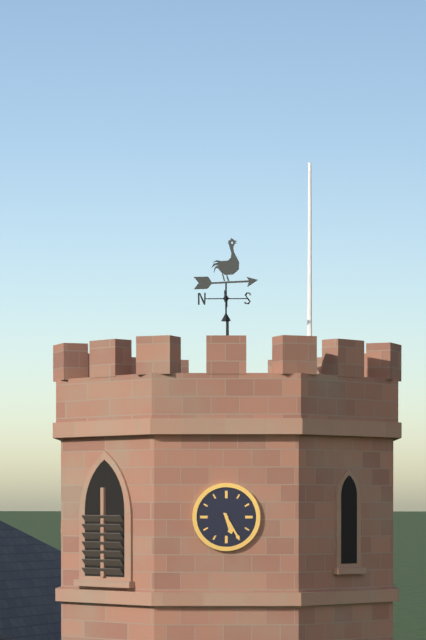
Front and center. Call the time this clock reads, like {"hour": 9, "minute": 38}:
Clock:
{"hour": 5, "minute": 25}
